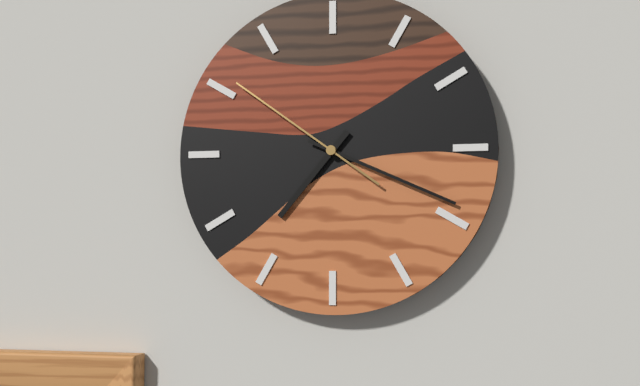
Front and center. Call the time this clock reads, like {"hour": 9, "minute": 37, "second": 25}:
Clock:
{"hour": 7, "minute": 19, "second": 51}
